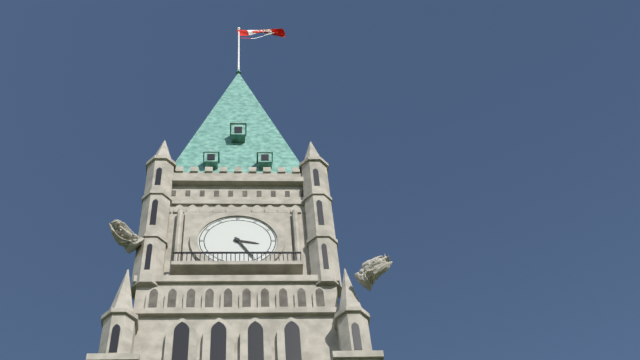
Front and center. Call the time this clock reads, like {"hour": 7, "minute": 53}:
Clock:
{"hour": 3, "minute": 25}
